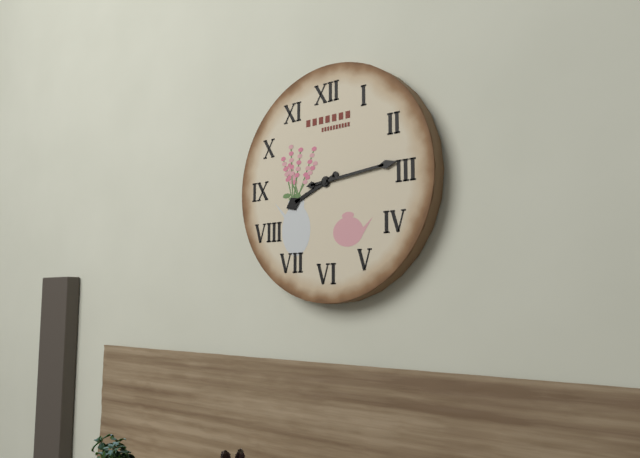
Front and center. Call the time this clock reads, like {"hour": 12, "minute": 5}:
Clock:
{"hour": 8, "minute": 14}
